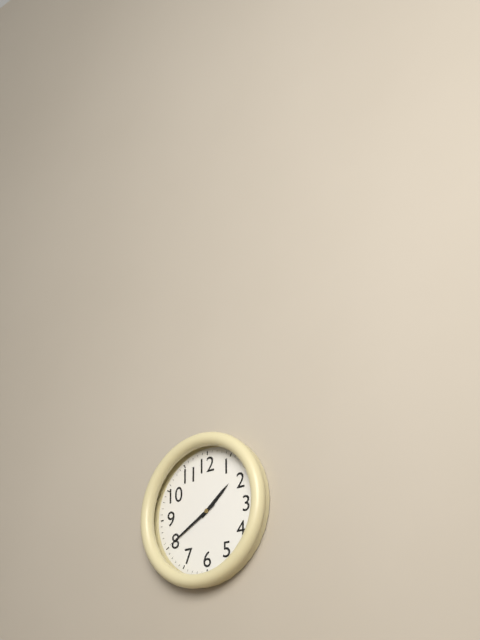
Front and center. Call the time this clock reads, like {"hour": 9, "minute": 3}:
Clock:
{"hour": 1, "minute": 40}
